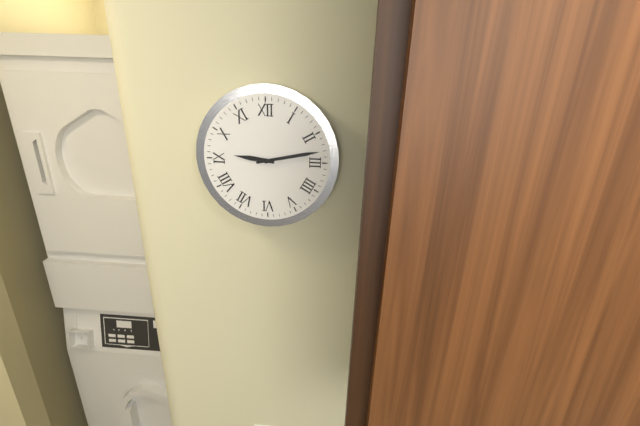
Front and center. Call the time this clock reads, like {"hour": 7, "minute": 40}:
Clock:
{"hour": 9, "minute": 13}
